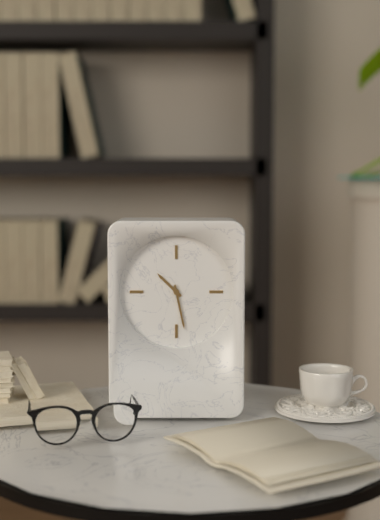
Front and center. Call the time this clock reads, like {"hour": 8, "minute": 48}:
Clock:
{"hour": 10, "minute": 28}
